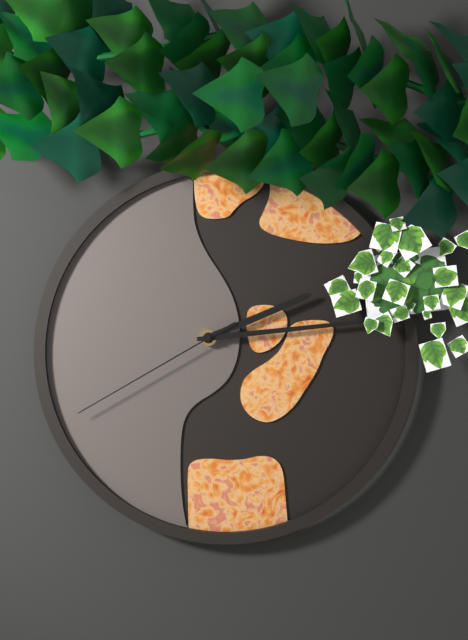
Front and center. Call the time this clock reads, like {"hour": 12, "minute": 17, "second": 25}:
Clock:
{"hour": 2, "minute": 14, "second": 40}
